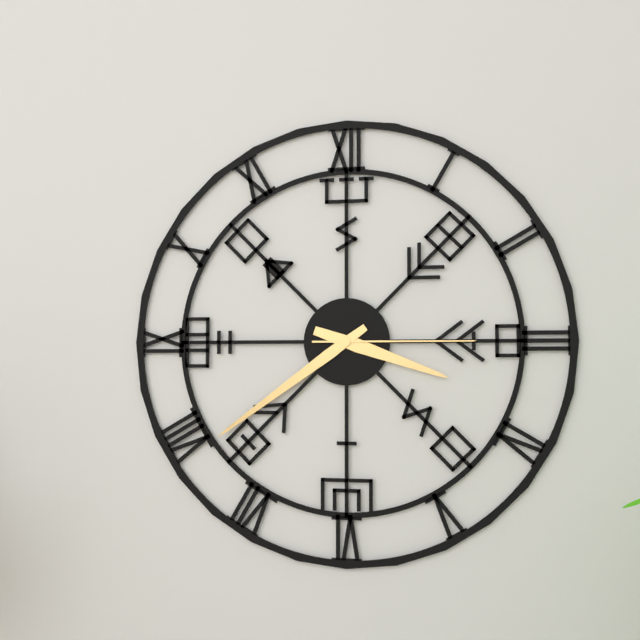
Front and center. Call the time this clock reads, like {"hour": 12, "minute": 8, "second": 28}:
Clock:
{"hour": 3, "minute": 39, "second": 15}
